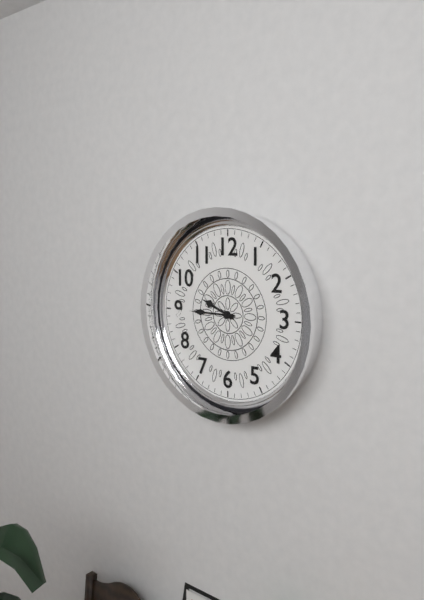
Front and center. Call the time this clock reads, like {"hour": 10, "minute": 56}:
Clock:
{"hour": 9, "minute": 45}
